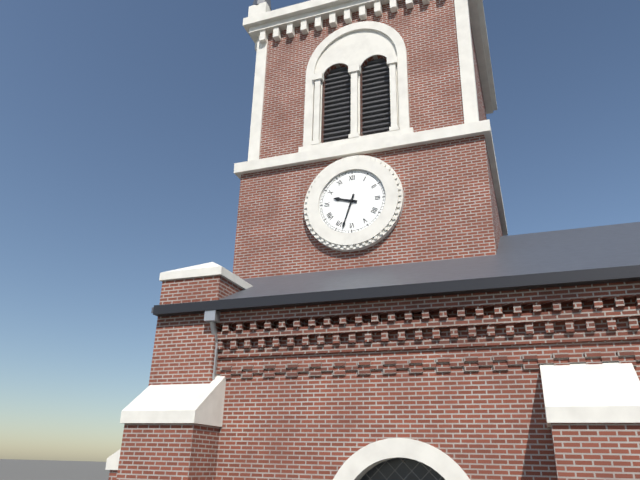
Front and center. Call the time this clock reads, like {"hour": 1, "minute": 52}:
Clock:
{"hour": 9, "minute": 33}
